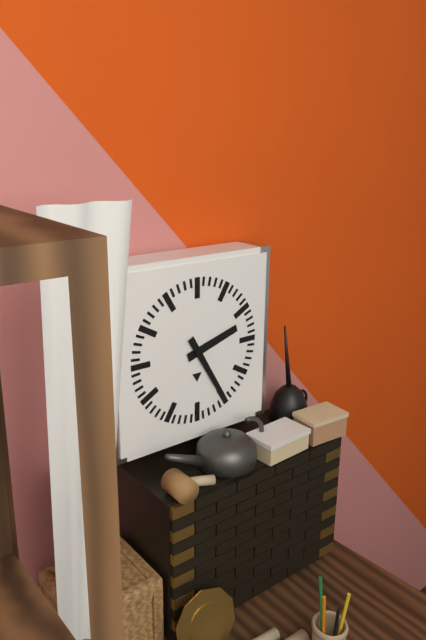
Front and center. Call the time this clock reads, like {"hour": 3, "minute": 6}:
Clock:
{"hour": 2, "minute": 25}
